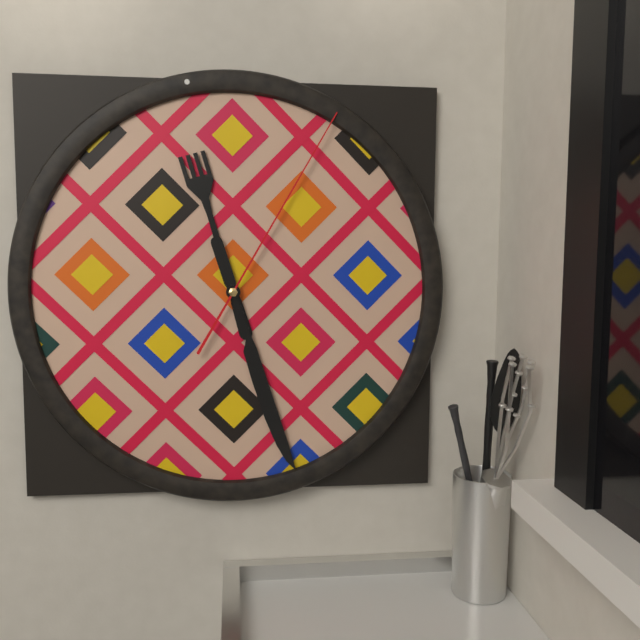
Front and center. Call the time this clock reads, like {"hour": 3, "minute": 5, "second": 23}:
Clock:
{"hour": 11, "minute": 27, "second": 5}
